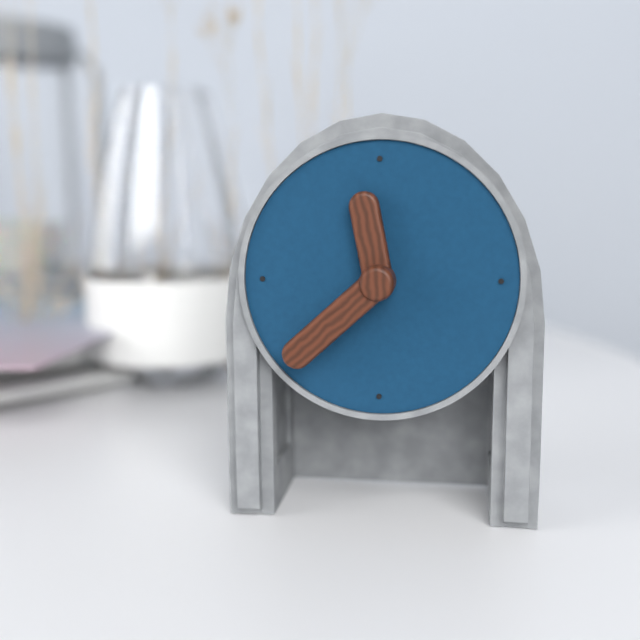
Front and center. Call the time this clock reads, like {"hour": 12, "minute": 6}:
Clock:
{"hour": 11, "minute": 38}
